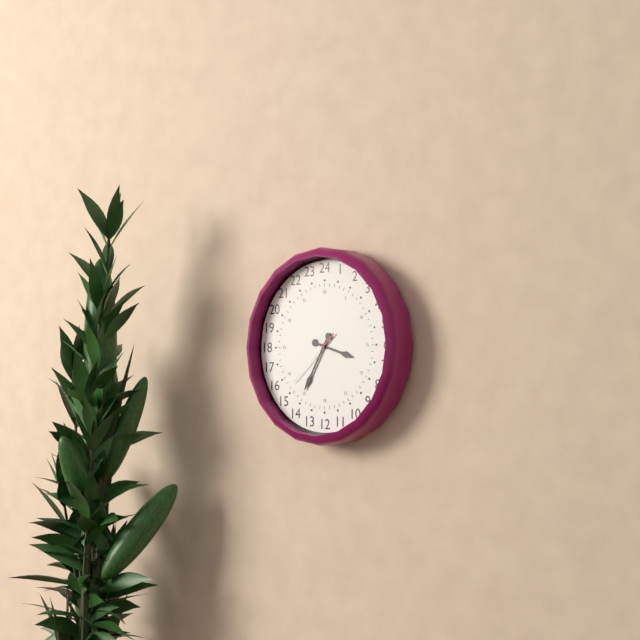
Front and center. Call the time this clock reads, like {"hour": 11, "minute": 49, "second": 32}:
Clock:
{"hour": 3, "minute": 35, "second": 38}
